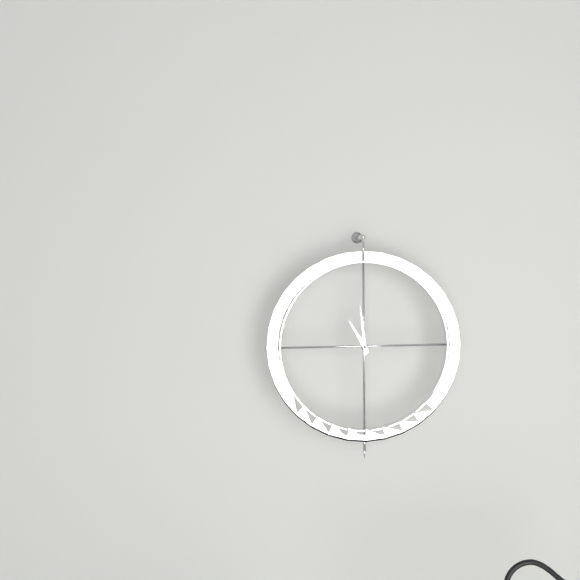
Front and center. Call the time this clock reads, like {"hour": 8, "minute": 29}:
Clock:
{"hour": 10, "minute": 59}
